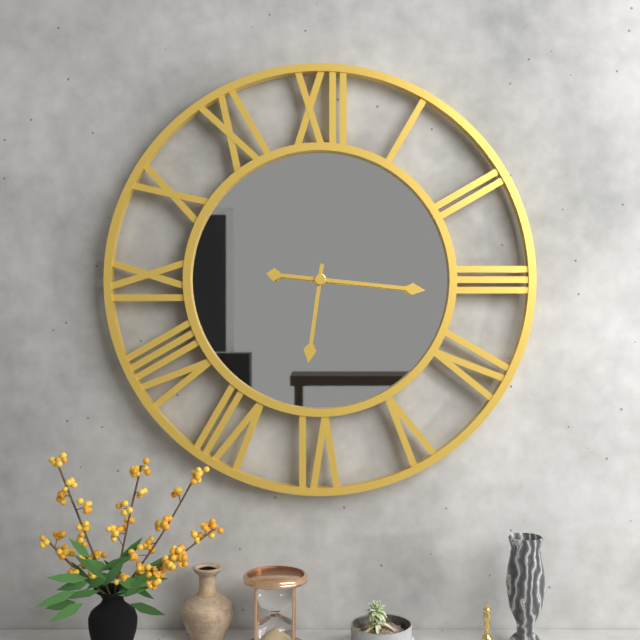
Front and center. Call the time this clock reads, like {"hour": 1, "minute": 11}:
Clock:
{"hour": 6, "minute": 16}
